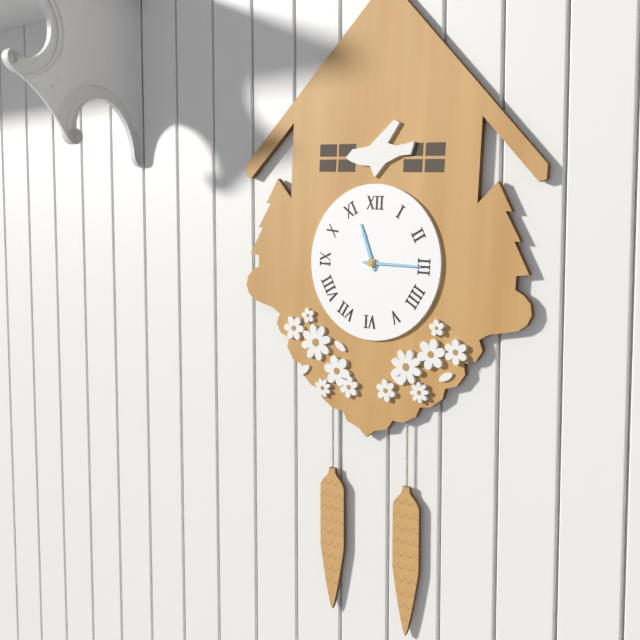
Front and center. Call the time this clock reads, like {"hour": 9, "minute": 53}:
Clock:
{"hour": 11, "minute": 15}
